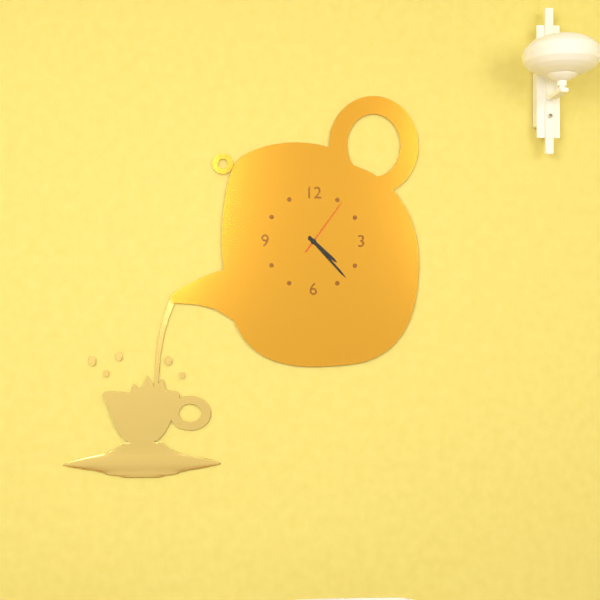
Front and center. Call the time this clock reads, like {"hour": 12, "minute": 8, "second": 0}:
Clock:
{"hour": 4, "minute": 23, "second": 6}
